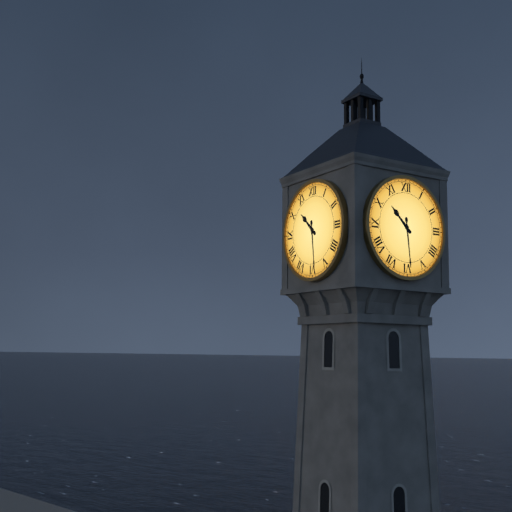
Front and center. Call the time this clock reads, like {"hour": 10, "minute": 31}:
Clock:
{"hour": 10, "minute": 29}
